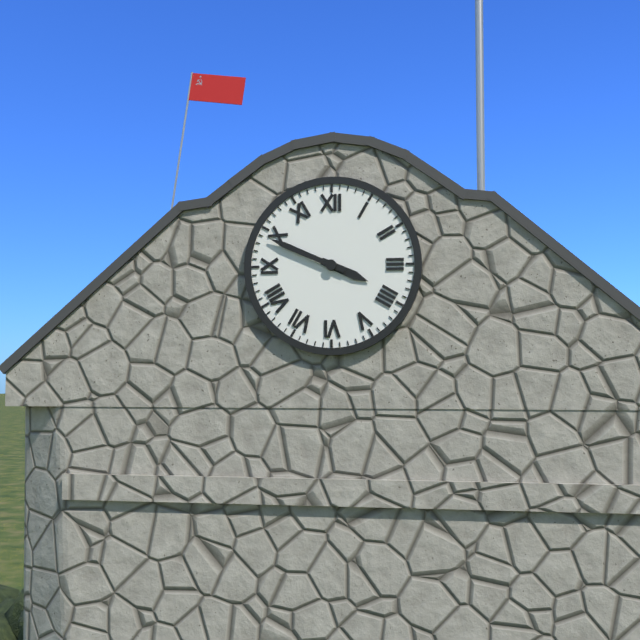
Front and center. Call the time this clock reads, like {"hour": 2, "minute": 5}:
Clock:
{"hour": 3, "minute": 49}
